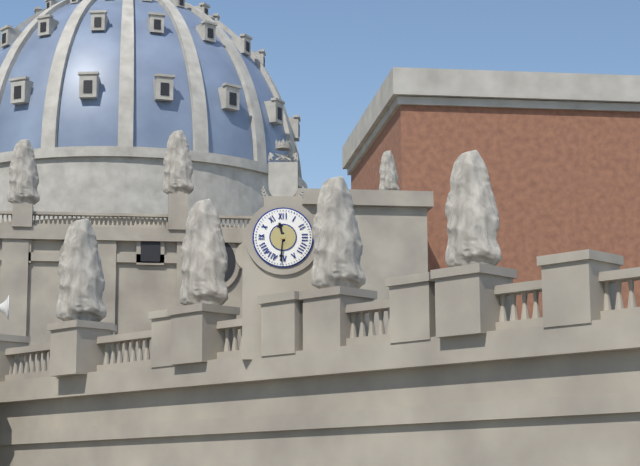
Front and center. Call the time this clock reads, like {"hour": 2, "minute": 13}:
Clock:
{"hour": 11, "minute": 31}
